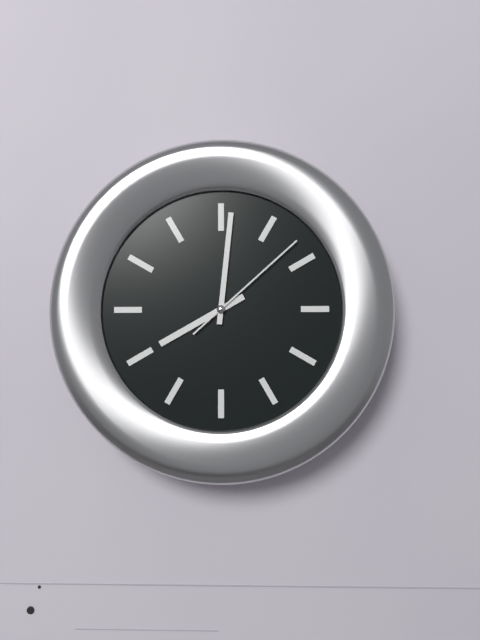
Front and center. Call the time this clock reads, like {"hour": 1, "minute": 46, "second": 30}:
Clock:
{"hour": 8, "minute": 1, "second": 8}
